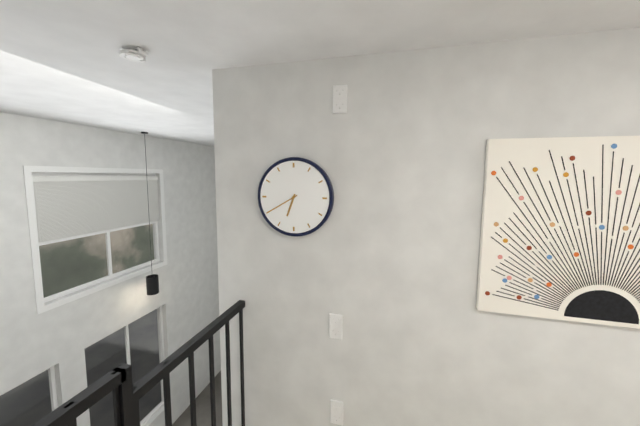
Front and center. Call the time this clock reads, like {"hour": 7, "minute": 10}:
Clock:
{"hour": 6, "minute": 40}
